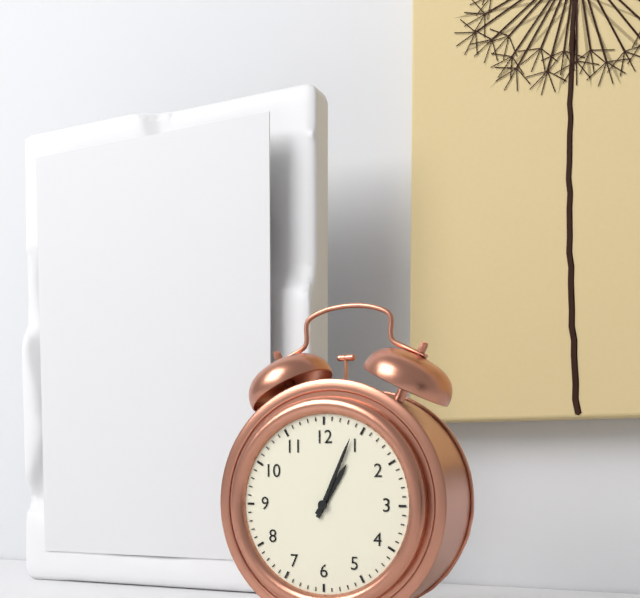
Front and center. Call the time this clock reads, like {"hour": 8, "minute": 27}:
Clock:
{"hour": 1, "minute": 4}
